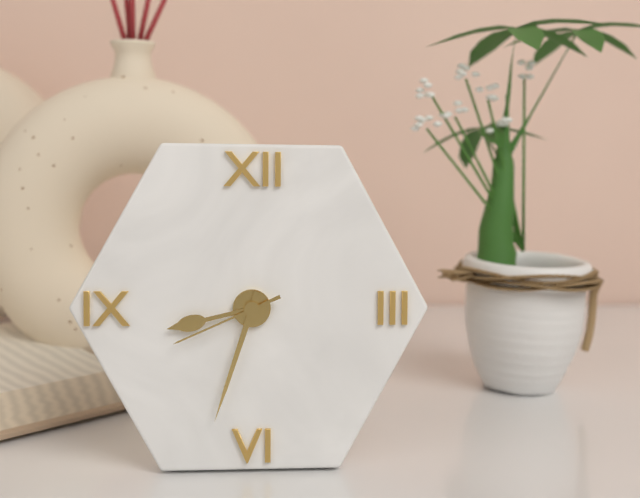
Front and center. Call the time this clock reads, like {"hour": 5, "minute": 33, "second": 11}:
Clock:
{"hour": 8, "minute": 33, "second": 41}
